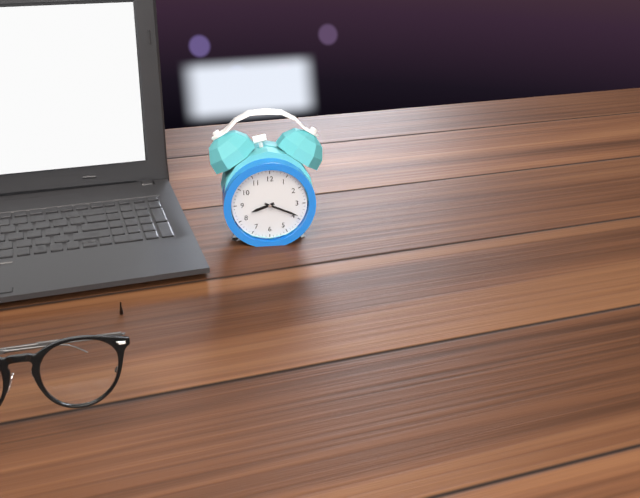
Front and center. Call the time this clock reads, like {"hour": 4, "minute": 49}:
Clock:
{"hour": 8, "minute": 19}
